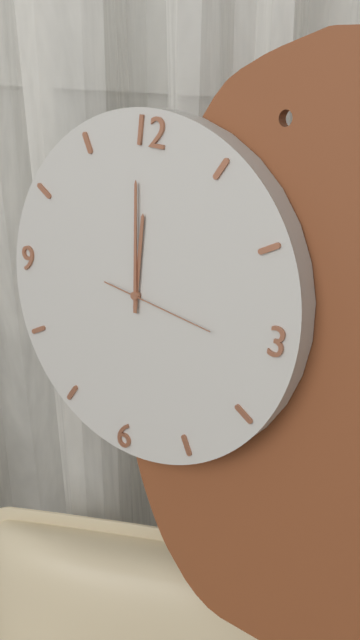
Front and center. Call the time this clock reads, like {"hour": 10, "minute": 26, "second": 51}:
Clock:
{"hour": 11, "minute": 59, "second": 16}
